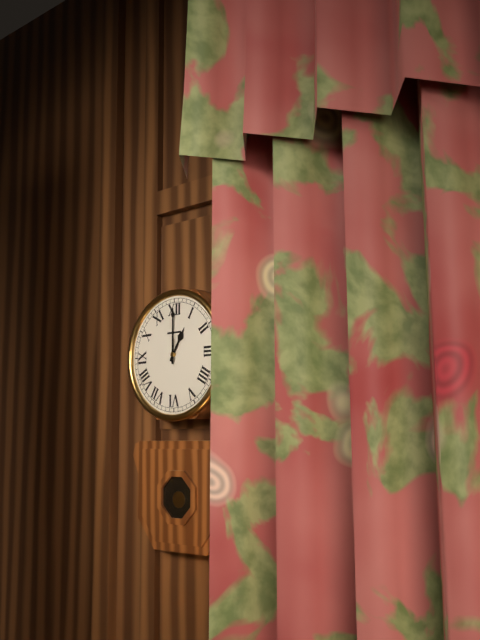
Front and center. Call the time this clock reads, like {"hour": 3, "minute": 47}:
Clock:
{"hour": 1, "minute": 0}
